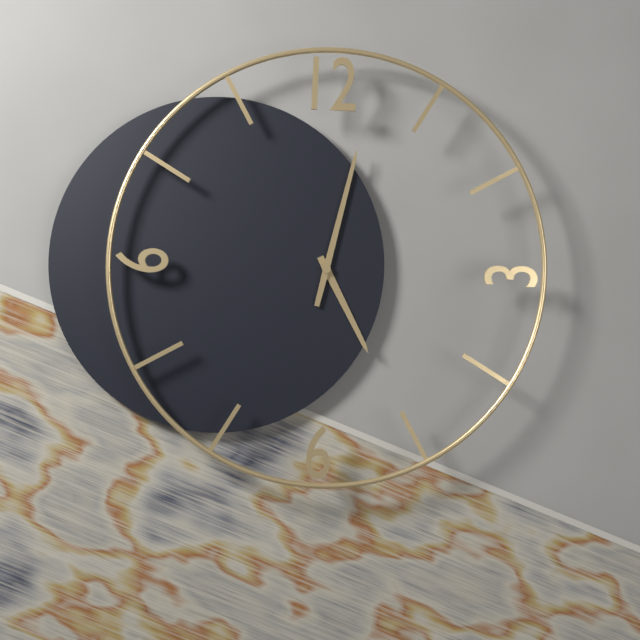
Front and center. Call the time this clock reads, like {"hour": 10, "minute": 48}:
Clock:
{"hour": 5, "minute": 2}
